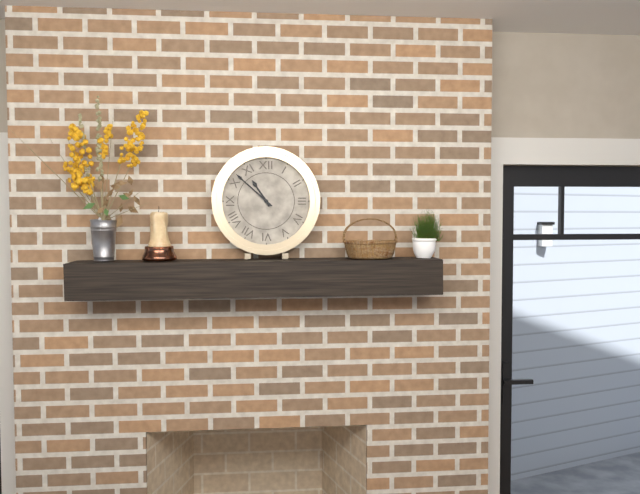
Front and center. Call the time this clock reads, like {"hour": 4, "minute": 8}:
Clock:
{"hour": 10, "minute": 52}
